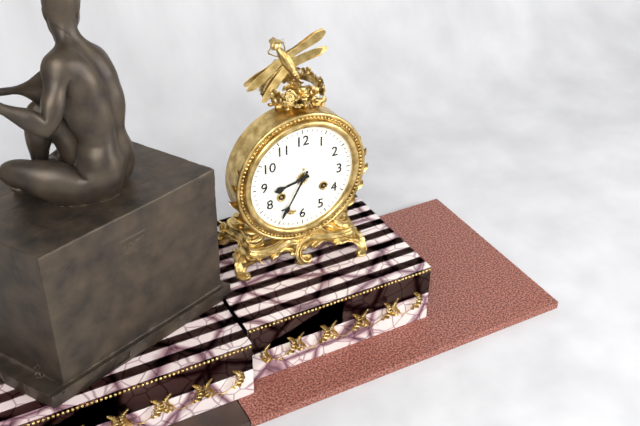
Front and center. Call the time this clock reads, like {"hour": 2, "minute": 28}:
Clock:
{"hour": 8, "minute": 35}
